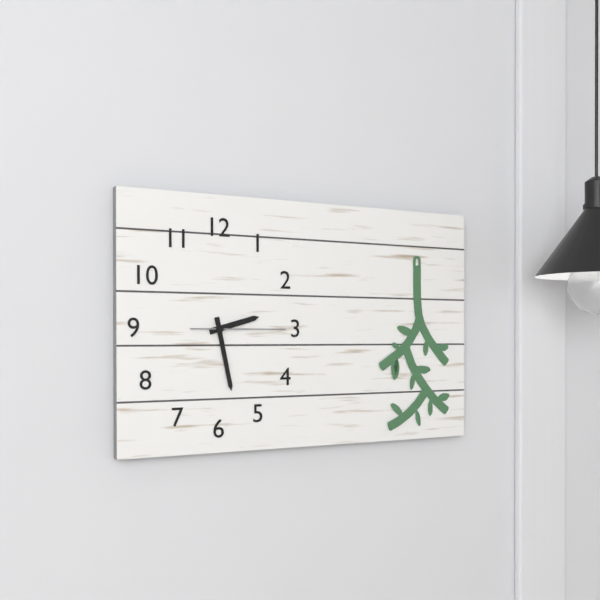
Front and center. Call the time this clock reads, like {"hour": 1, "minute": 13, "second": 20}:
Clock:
{"hour": 2, "minute": 28, "second": 15}
